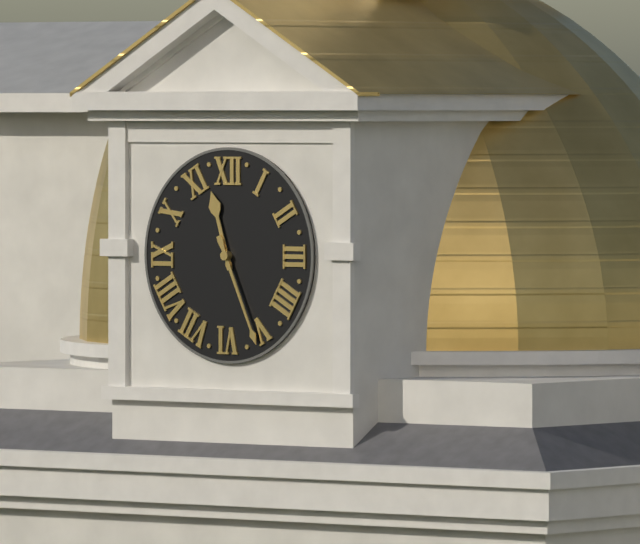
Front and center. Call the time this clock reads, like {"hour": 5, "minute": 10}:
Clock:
{"hour": 11, "minute": 26}
